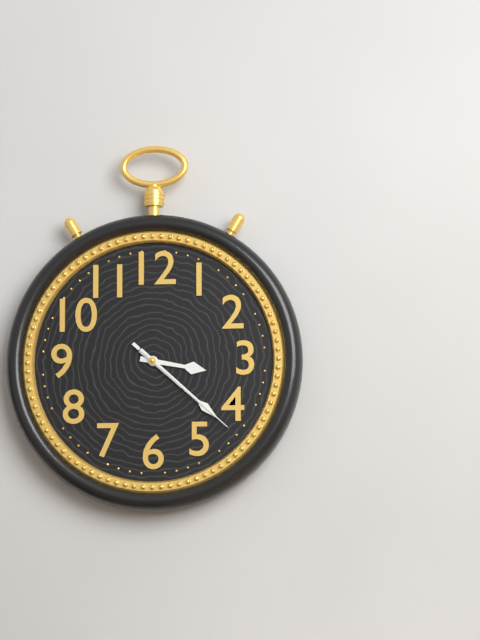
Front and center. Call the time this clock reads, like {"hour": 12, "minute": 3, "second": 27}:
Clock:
{"hour": 3, "minute": 22, "second": 22}
